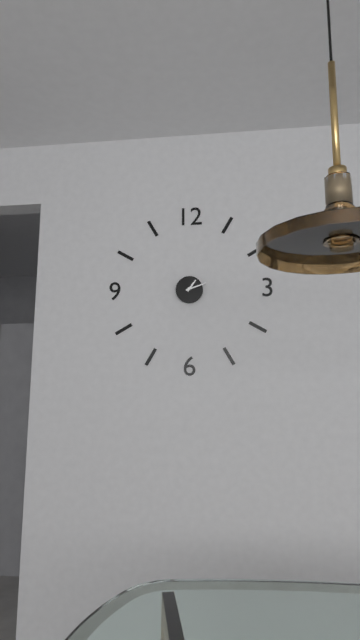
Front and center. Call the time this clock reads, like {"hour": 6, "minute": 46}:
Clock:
{"hour": 1, "minute": 12}
